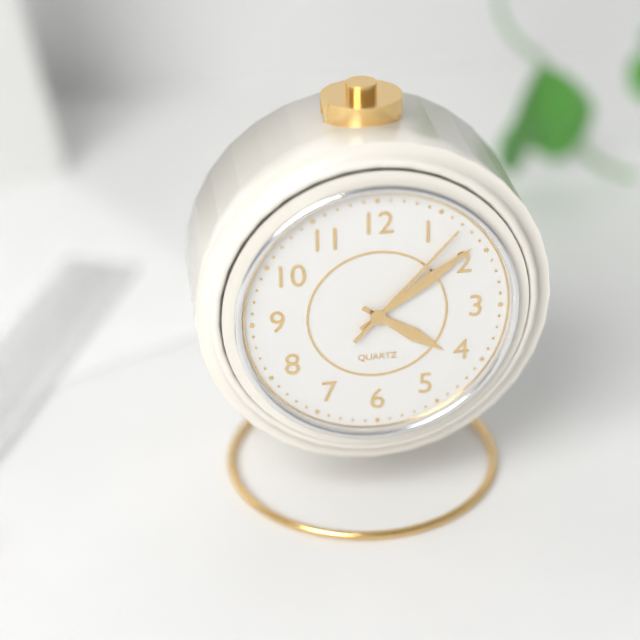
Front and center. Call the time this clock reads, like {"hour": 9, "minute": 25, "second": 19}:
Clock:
{"hour": 4, "minute": 9, "second": 7}
